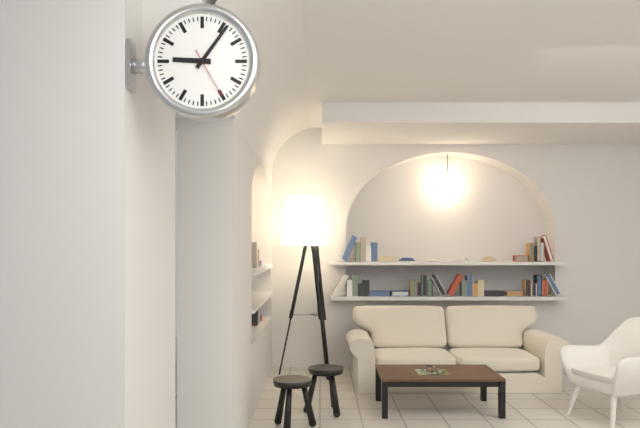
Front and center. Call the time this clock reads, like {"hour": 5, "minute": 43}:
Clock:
{"hour": 9, "minute": 6}
